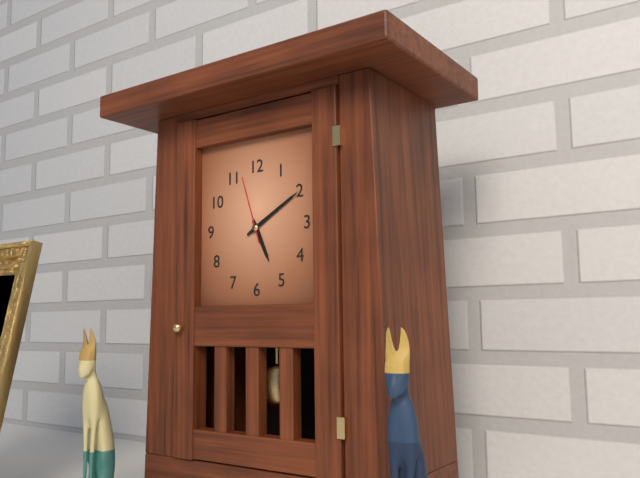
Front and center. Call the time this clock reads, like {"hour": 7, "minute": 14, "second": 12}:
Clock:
{"hour": 5, "minute": 10, "second": 57}
